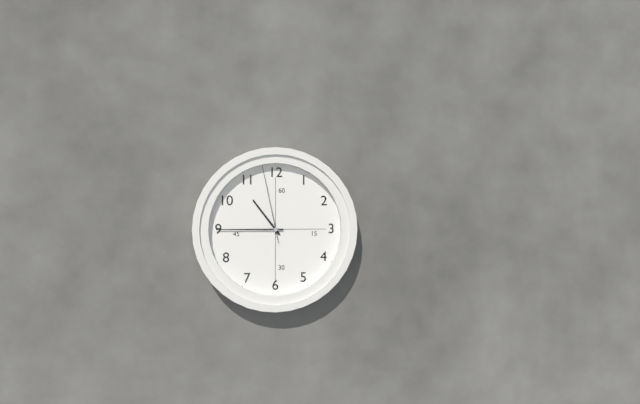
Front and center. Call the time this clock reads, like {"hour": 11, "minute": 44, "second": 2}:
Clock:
{"hour": 10, "minute": 45, "second": 58}
